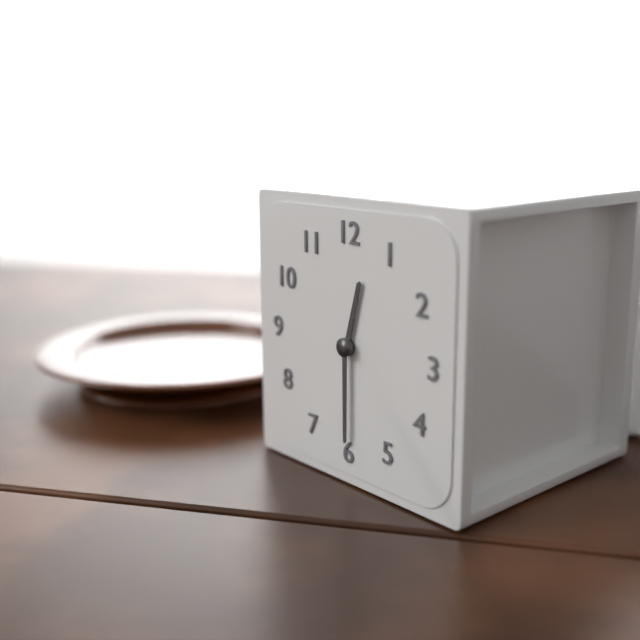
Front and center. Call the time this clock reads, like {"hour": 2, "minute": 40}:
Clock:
{"hour": 12, "minute": 30}
